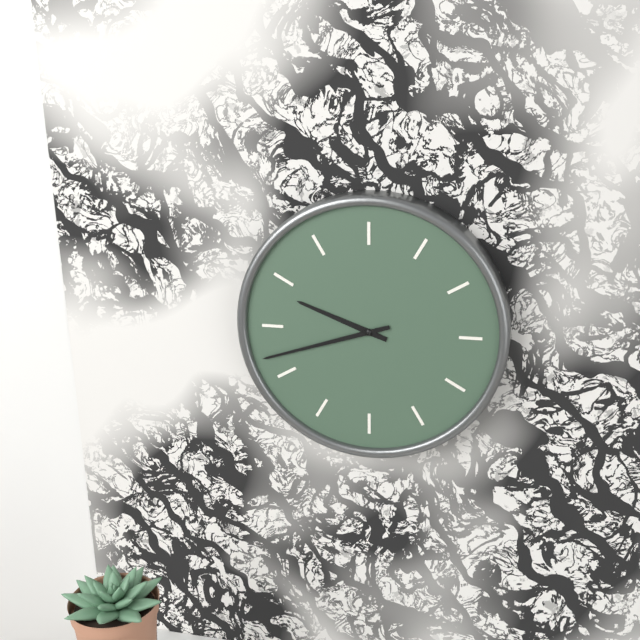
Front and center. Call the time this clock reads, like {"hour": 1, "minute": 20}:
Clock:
{"hour": 9, "minute": 42}
